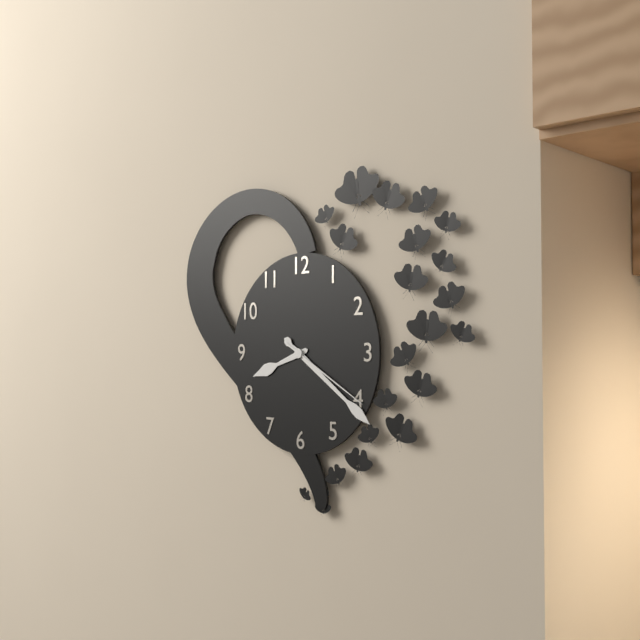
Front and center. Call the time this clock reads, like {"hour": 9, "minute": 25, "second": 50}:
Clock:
{"hour": 8, "minute": 21, "second": 20}
